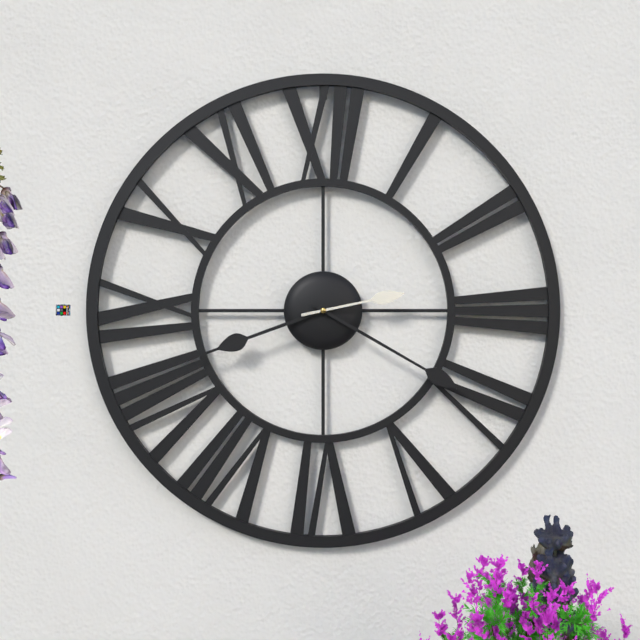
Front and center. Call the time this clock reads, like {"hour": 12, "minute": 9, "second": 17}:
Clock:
{"hour": 8, "minute": 20, "second": 13}
